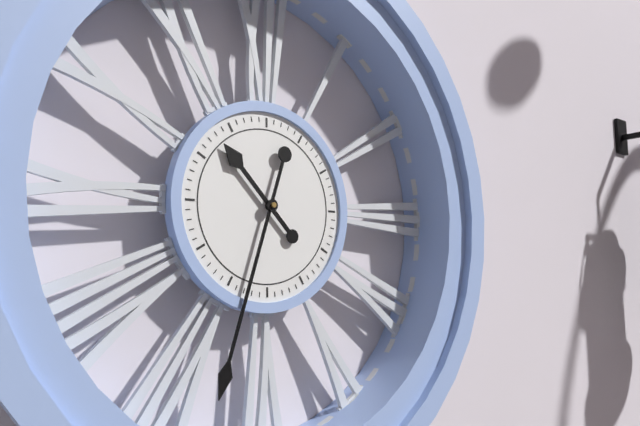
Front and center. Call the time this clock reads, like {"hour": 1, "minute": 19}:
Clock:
{"hour": 10, "minute": 33}
